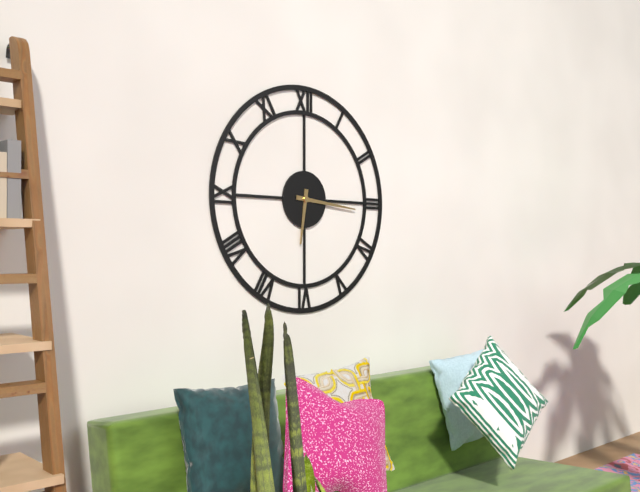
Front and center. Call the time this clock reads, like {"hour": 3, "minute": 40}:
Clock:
{"hour": 6, "minute": 16}
